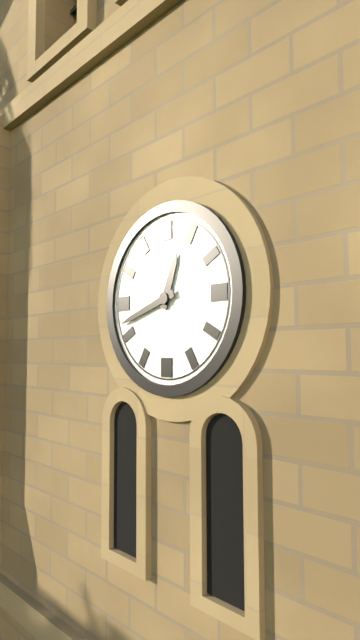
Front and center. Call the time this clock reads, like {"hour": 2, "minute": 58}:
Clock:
{"hour": 12, "minute": 42}
